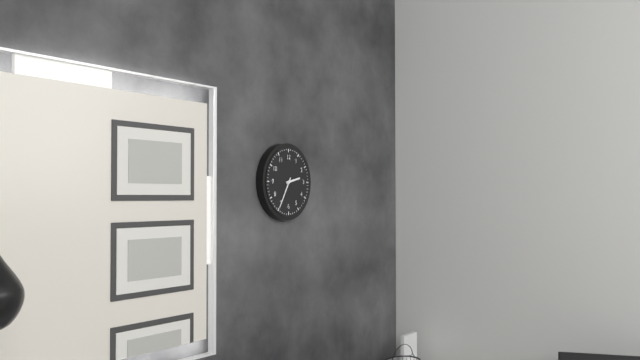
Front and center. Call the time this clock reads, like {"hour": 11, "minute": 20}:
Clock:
{"hour": 2, "minute": 35}
